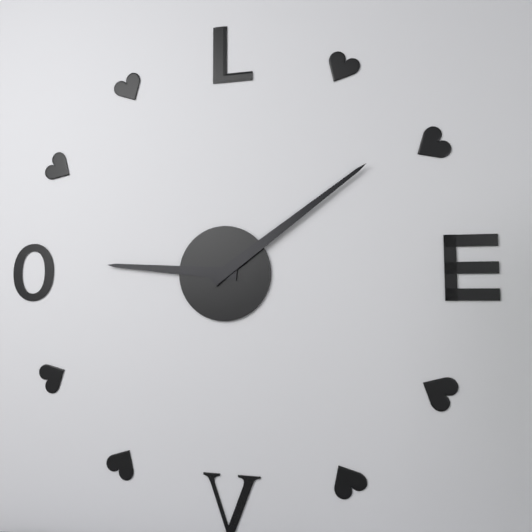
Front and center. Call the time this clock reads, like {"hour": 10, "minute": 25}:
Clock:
{"hour": 9, "minute": 9}
